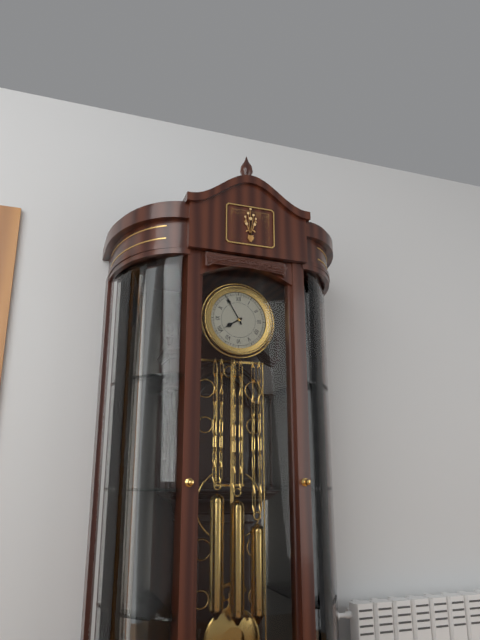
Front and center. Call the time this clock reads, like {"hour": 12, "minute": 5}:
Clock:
{"hour": 7, "minute": 55}
